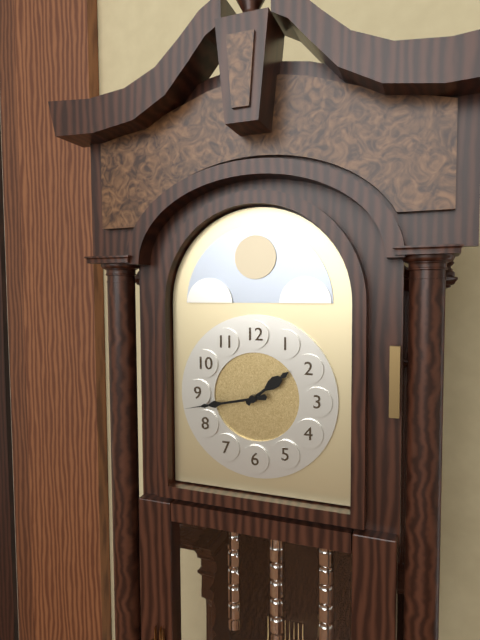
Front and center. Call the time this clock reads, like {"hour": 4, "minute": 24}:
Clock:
{"hour": 1, "minute": 43}
